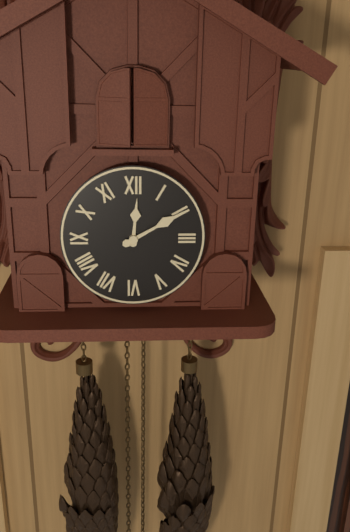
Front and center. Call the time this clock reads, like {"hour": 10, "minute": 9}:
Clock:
{"hour": 12, "minute": 10}
